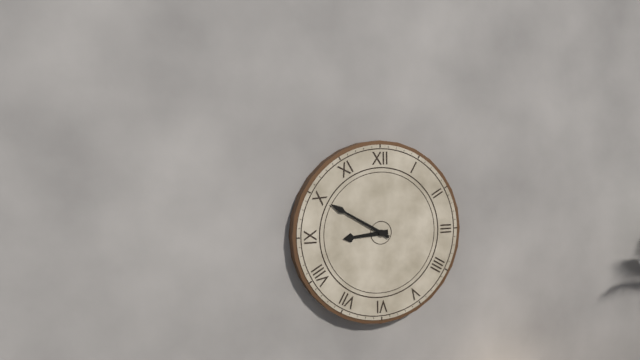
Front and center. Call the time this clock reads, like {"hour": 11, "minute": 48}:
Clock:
{"hour": 8, "minute": 50}
